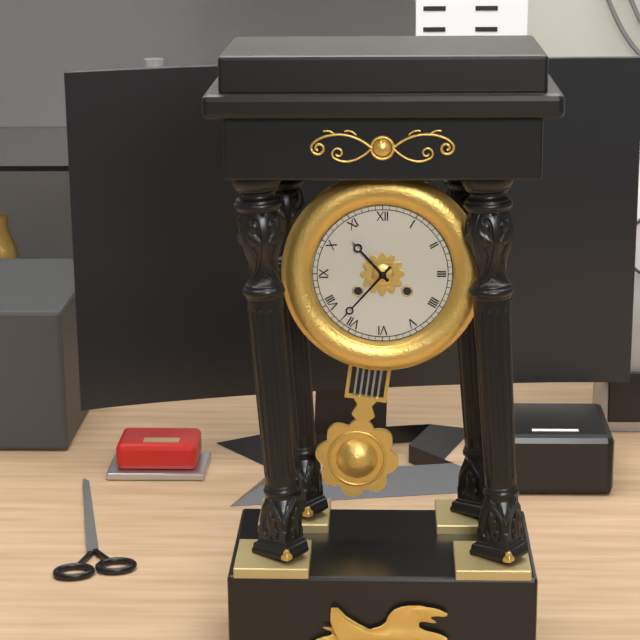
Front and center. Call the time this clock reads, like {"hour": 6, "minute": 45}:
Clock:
{"hour": 10, "minute": 37}
